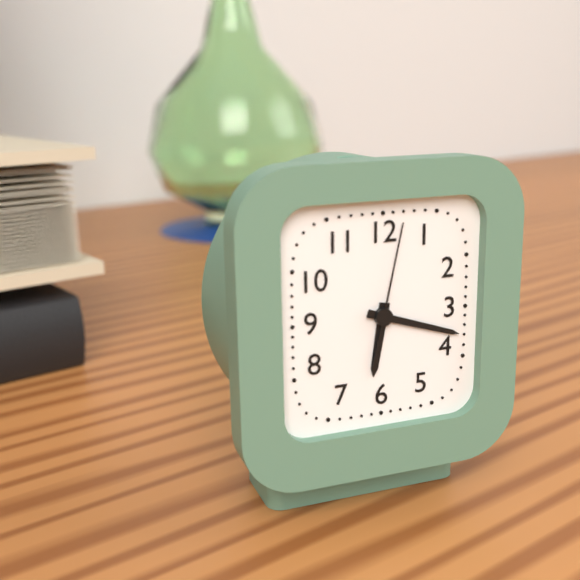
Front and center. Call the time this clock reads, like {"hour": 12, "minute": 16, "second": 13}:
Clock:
{"hour": 6, "minute": 18, "second": 2}
